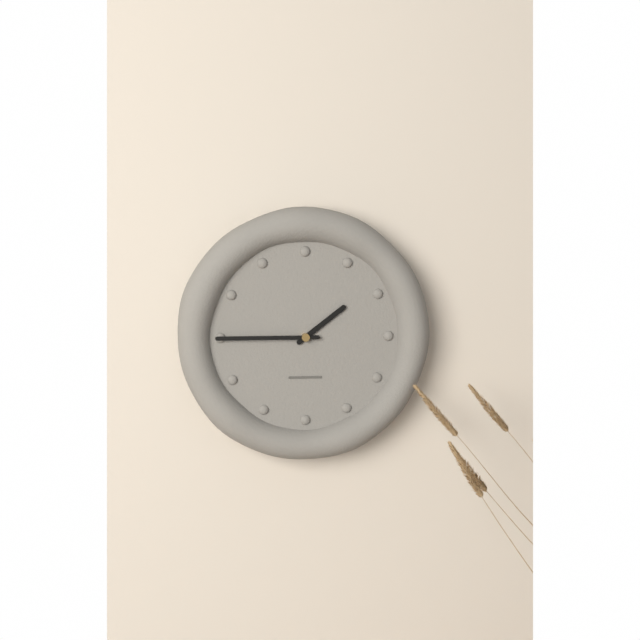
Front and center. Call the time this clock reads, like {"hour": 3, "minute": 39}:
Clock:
{"hour": 1, "minute": 45}
